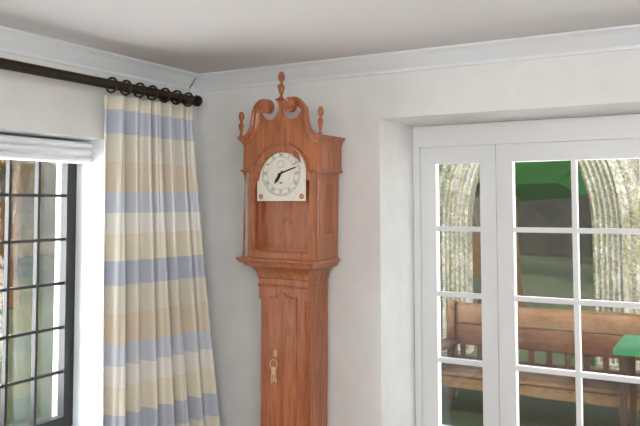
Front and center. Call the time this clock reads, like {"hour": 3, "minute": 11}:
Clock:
{"hour": 7, "minute": 12}
